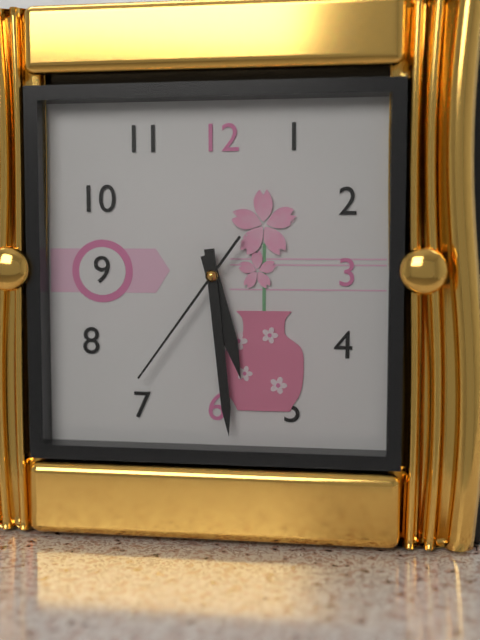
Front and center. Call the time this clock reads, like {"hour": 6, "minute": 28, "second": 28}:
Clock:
{"hour": 5, "minute": 29, "second": 36}
